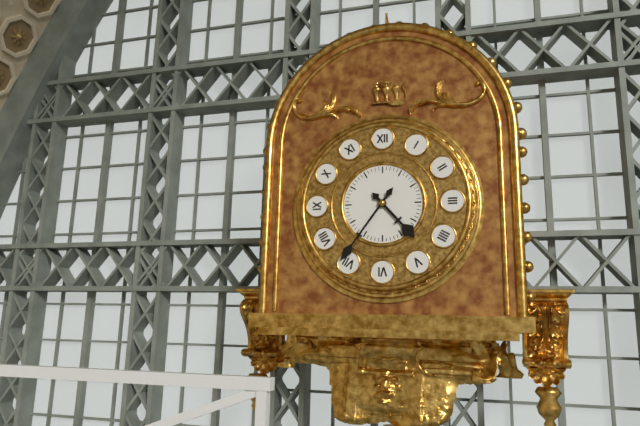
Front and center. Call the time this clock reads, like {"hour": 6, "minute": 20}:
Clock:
{"hour": 4, "minute": 36}
